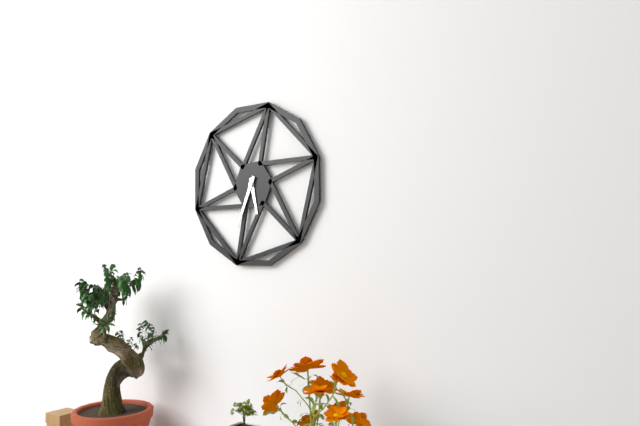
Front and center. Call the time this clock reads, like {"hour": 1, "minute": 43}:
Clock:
{"hour": 5, "minute": 34}
